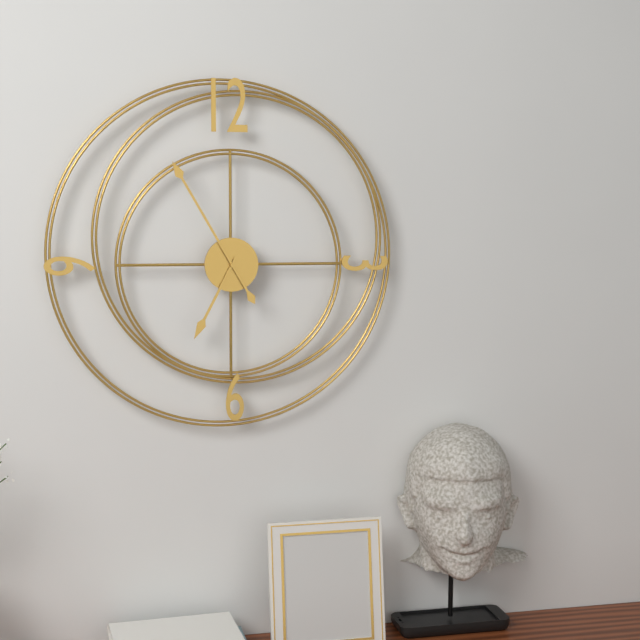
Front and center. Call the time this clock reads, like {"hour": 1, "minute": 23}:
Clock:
{"hour": 6, "minute": 55}
